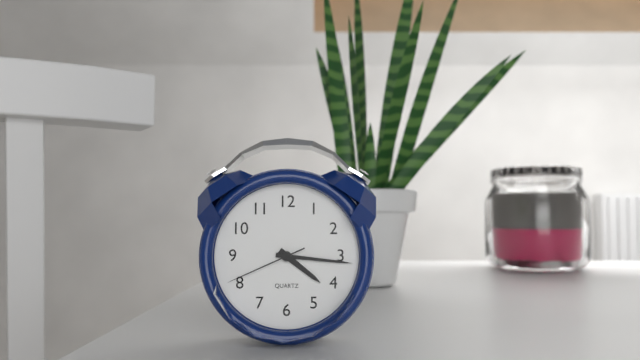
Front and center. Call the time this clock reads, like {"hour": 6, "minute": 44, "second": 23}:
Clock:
{"hour": 4, "minute": 16, "second": 41}
